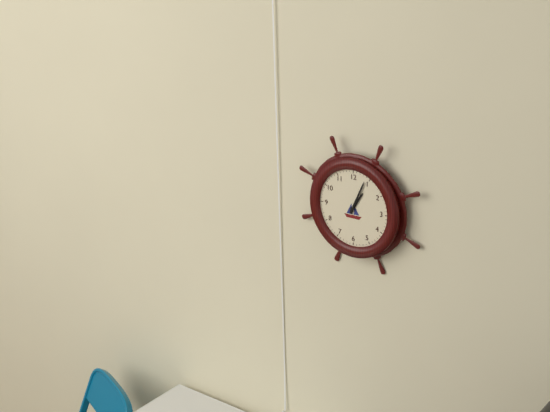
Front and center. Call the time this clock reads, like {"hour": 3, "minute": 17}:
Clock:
{"hour": 1, "minute": 4}
